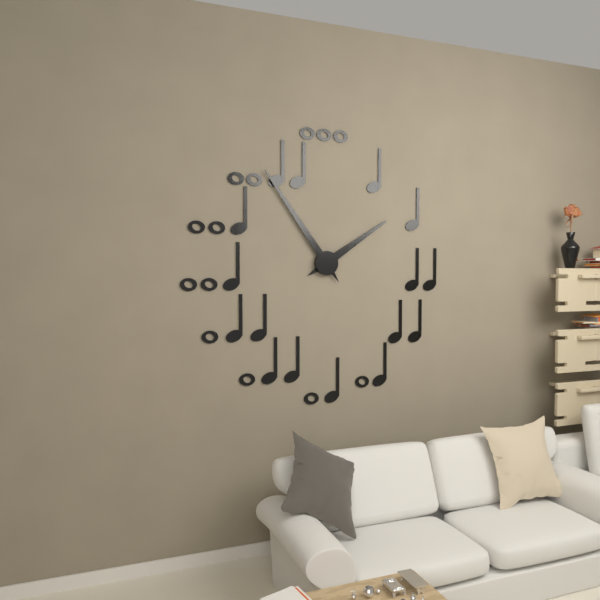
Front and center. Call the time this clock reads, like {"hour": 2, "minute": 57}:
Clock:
{"hour": 1, "minute": 54}
